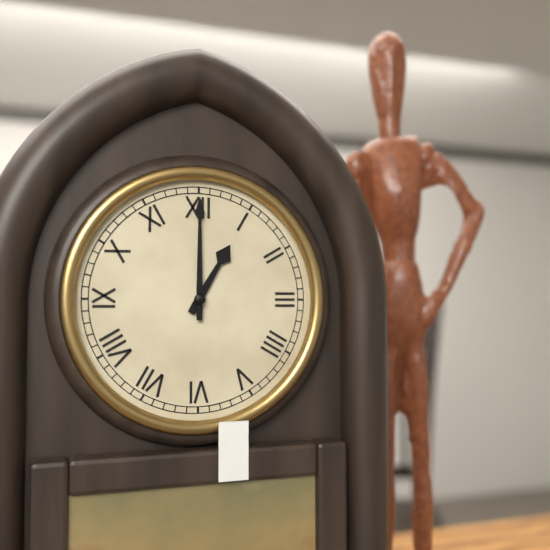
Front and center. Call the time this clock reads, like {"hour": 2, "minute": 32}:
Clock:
{"hour": 1, "minute": 0}
